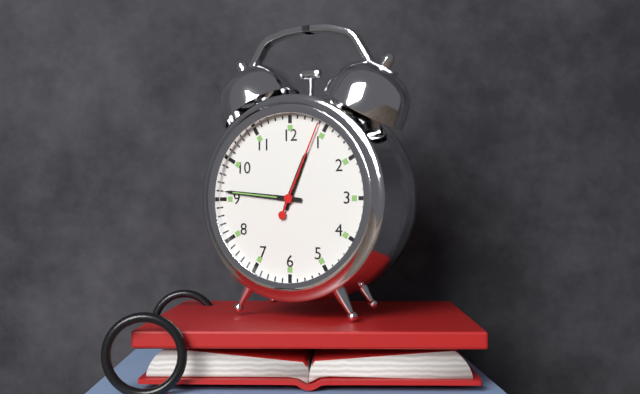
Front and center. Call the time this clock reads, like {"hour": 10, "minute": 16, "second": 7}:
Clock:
{"hour": 12, "minute": 46, "second": 4}
